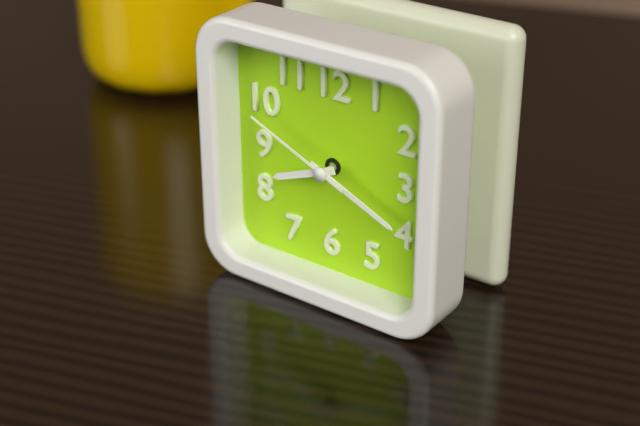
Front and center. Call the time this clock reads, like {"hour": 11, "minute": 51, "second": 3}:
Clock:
{"hour": 8, "minute": 19, "second": 49}
